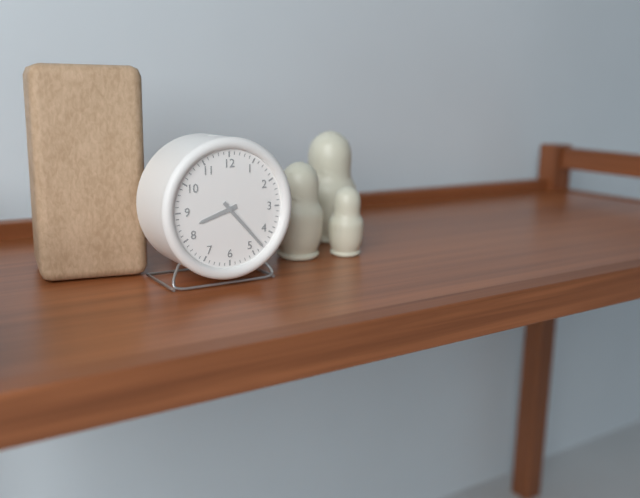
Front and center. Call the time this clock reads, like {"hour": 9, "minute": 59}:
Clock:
{"hour": 8, "minute": 23}
